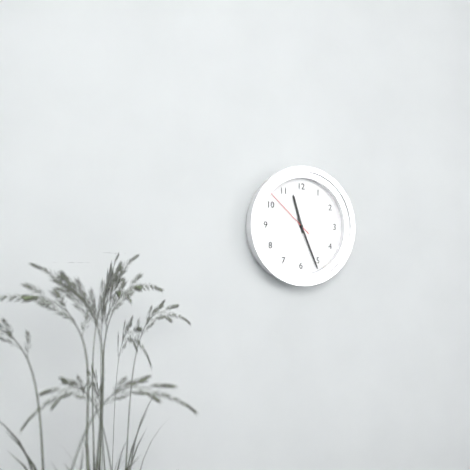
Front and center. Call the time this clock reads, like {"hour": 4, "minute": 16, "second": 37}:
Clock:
{"hour": 11, "minute": 26, "second": 52}
